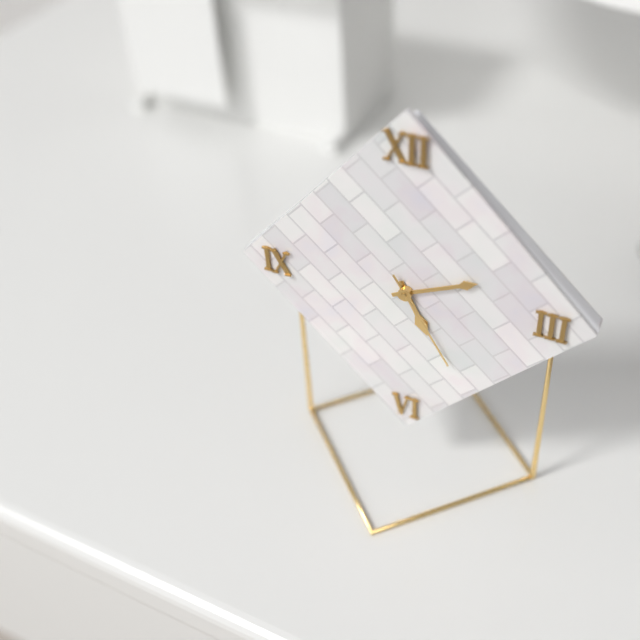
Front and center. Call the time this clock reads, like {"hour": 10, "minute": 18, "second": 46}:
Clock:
{"hour": 5, "minute": 11, "second": 25}
